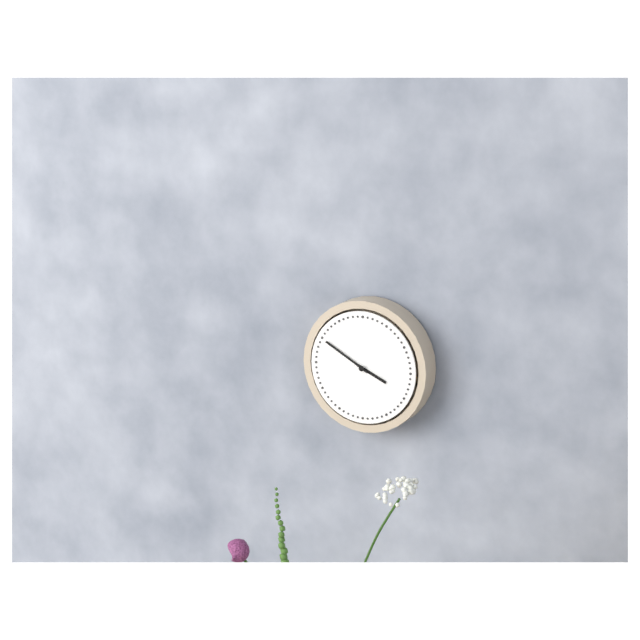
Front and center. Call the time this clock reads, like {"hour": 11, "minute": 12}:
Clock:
{"hour": 3, "minute": 50}
